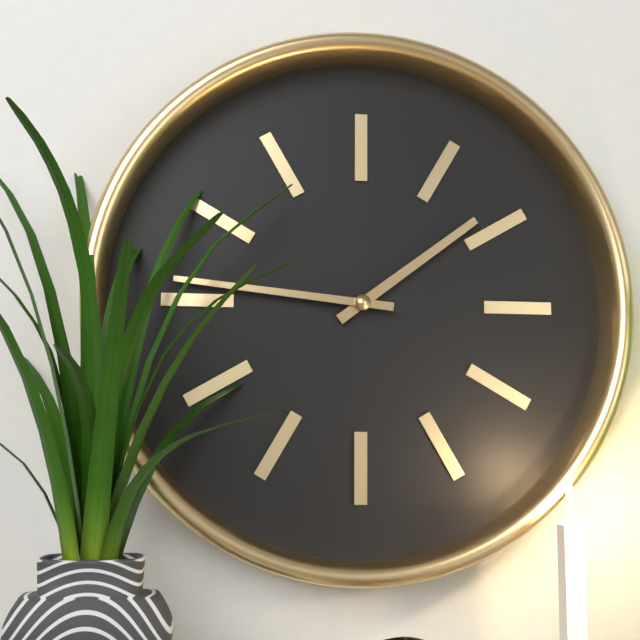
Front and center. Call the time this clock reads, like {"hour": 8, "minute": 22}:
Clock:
{"hour": 1, "minute": 46}
